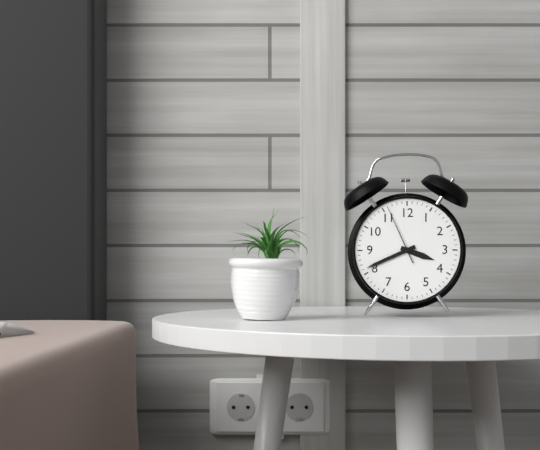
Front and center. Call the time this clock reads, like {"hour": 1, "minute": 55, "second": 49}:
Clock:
{"hour": 3, "minute": 41, "second": 56}
